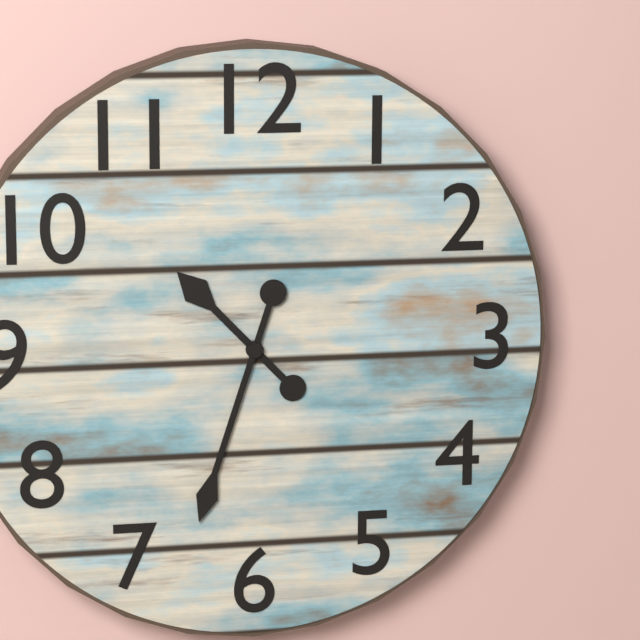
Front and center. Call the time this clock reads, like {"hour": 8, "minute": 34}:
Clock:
{"hour": 10, "minute": 33}
